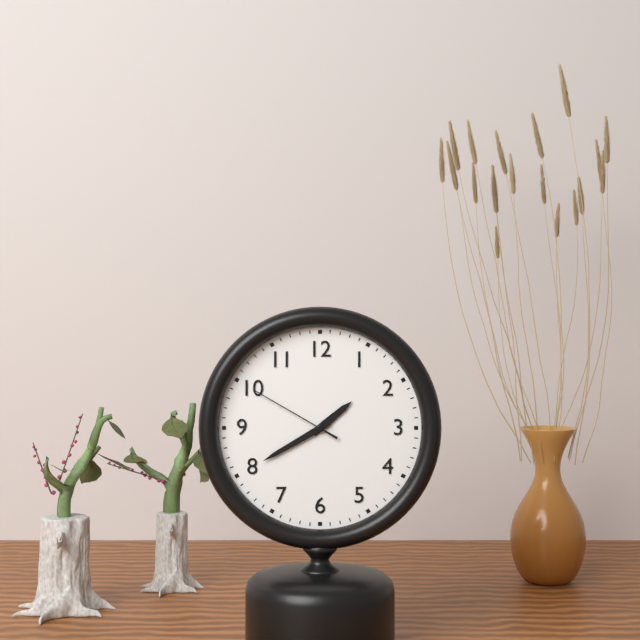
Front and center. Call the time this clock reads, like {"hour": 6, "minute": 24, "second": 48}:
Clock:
{"hour": 1, "minute": 40, "second": 50}
